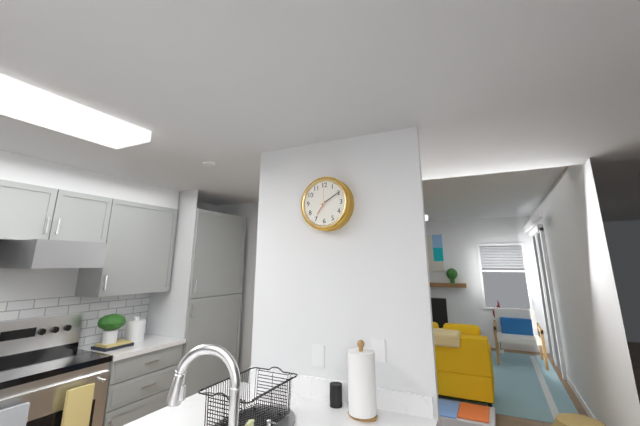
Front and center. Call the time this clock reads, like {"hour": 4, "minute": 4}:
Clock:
{"hour": 7, "minute": 10}
